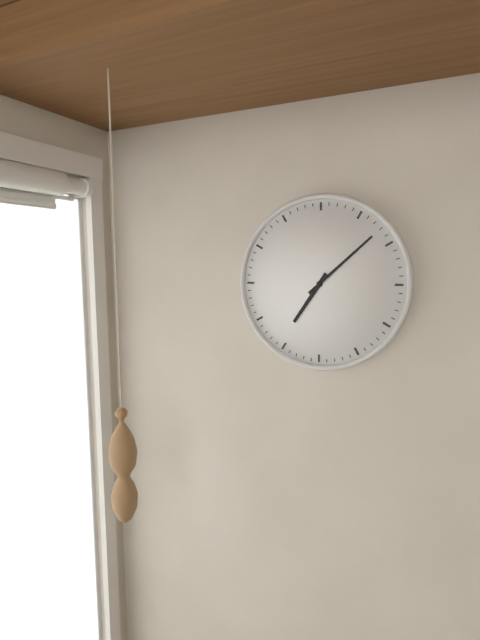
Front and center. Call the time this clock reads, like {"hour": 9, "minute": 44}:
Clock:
{"hour": 7, "minute": 8}
